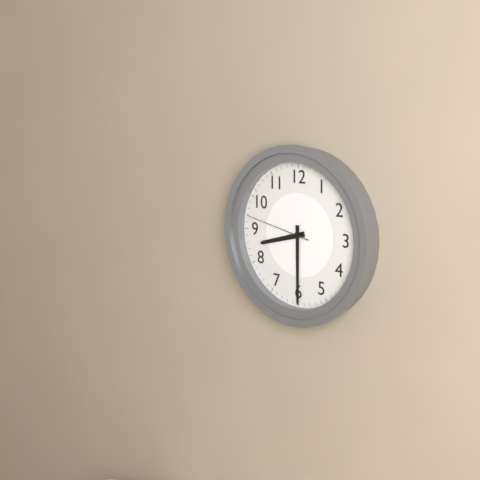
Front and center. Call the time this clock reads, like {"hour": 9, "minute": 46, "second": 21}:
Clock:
{"hour": 8, "minute": 30, "second": 47}
